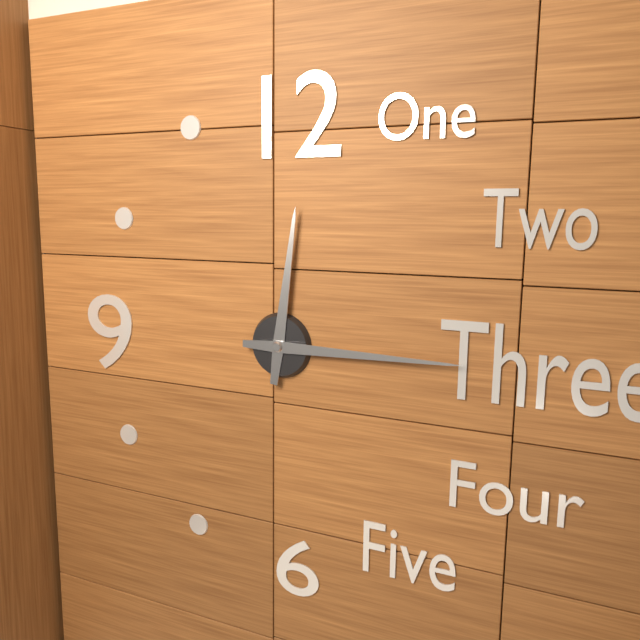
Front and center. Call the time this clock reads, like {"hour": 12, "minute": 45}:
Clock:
{"hour": 12, "minute": 15}
